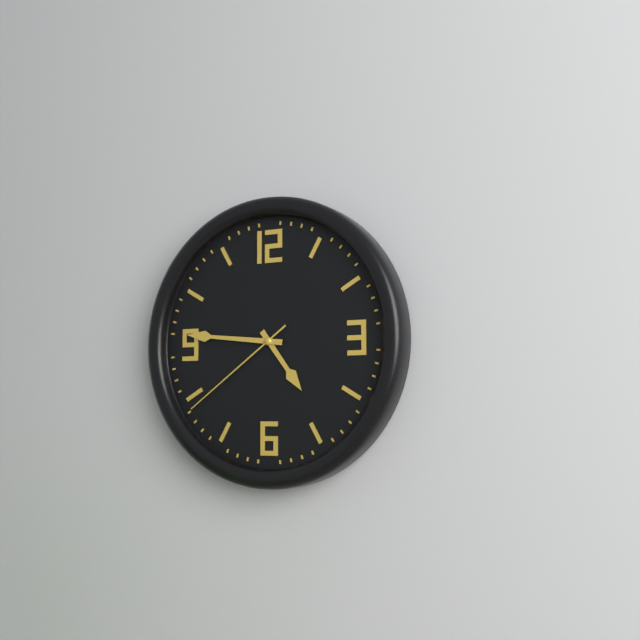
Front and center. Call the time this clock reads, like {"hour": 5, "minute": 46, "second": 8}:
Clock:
{"hour": 4, "minute": 46, "second": 39}
